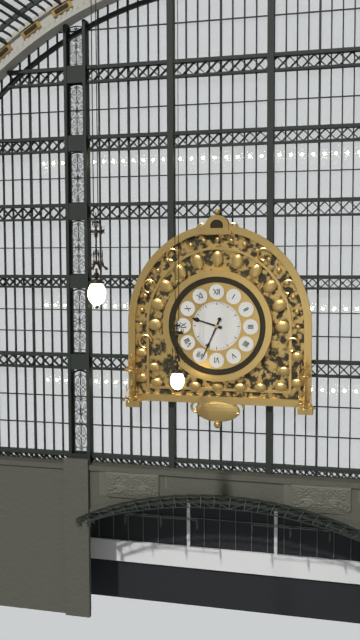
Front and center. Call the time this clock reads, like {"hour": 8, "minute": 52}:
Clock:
{"hour": 9, "minute": 34}
